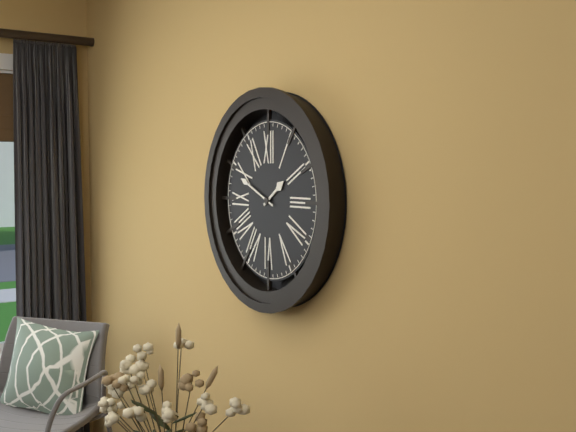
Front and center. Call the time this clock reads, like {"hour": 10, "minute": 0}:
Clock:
{"hour": 1, "minute": 49}
